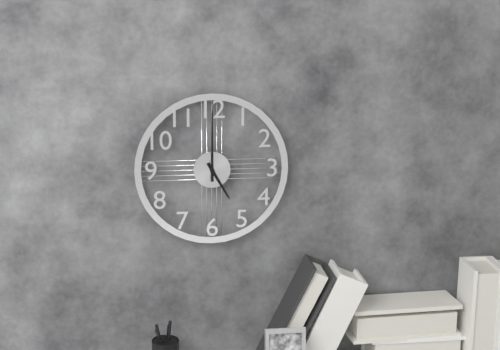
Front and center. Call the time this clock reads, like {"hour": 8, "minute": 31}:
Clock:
{"hour": 5, "minute": 0}
